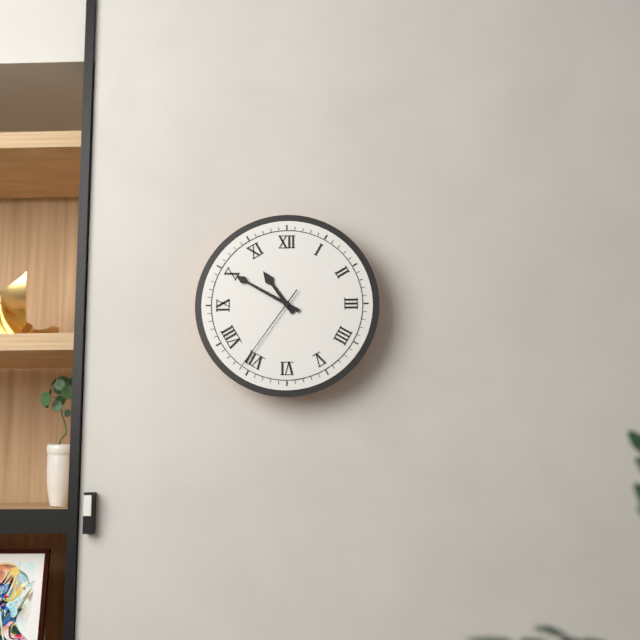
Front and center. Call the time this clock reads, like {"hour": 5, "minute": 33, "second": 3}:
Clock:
{"hour": 10, "minute": 50, "second": 36}
